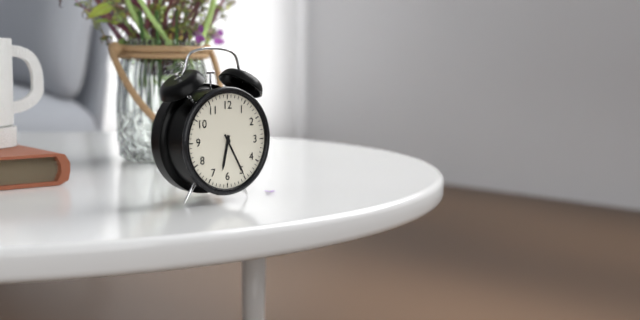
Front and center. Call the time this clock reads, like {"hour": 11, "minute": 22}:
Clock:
{"hour": 6, "minute": 25}
